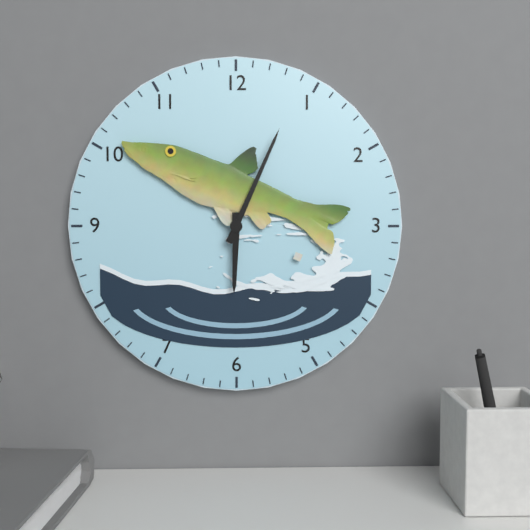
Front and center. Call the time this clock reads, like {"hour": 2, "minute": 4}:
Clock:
{"hour": 6, "minute": 4}
